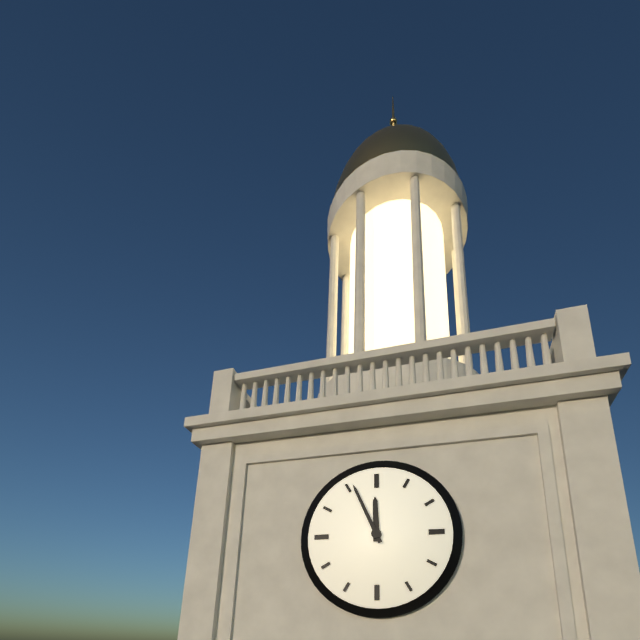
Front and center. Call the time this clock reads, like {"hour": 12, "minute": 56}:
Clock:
{"hour": 11, "minute": 56}
